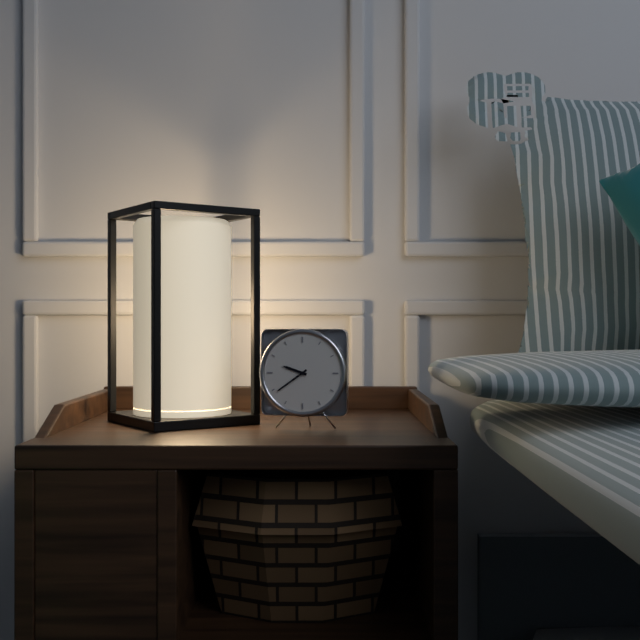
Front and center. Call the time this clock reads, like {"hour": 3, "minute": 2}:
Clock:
{"hour": 9, "minute": 39}
